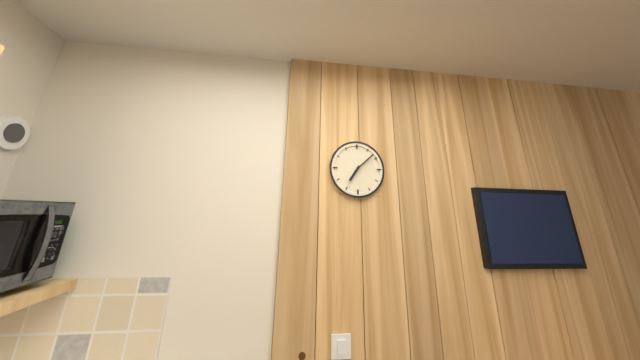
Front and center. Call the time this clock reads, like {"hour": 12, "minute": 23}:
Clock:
{"hour": 7, "minute": 8}
